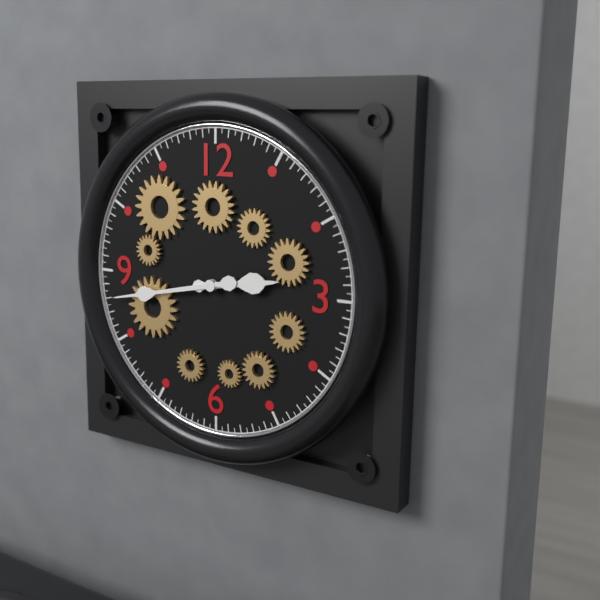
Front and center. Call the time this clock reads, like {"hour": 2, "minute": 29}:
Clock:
{"hour": 2, "minute": 43}
